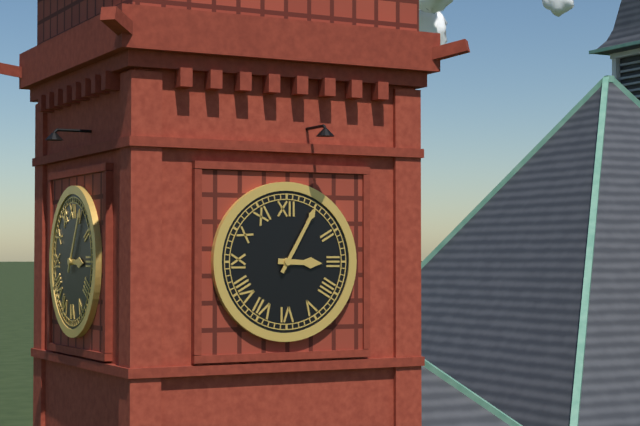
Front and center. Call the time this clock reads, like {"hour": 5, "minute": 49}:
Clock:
{"hour": 3, "minute": 5}
